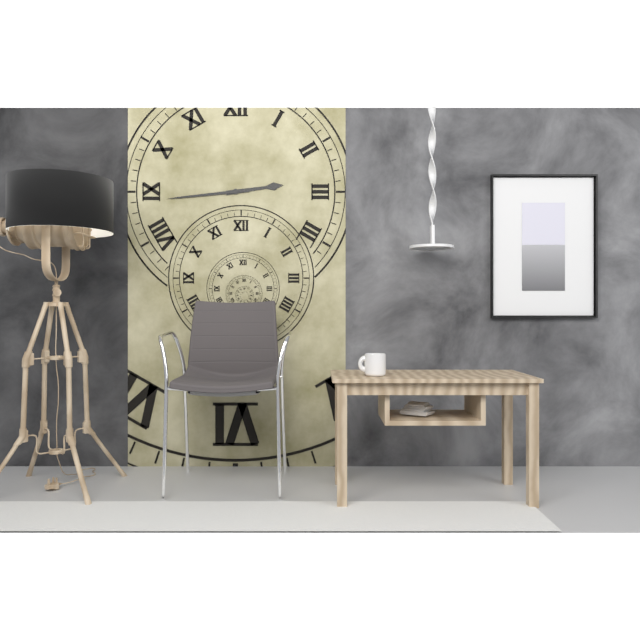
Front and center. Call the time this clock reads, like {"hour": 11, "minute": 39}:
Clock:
{"hour": 2, "minute": 44}
